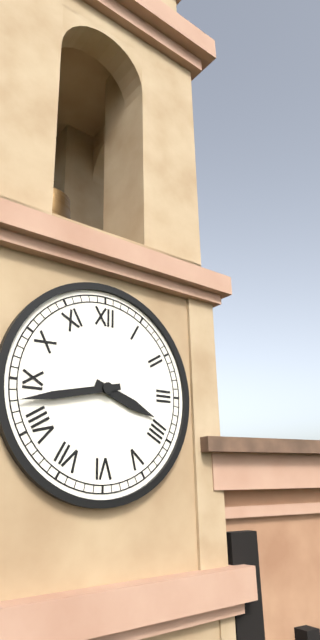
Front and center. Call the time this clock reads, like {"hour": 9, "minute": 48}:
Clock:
{"hour": 3, "minute": 43}
